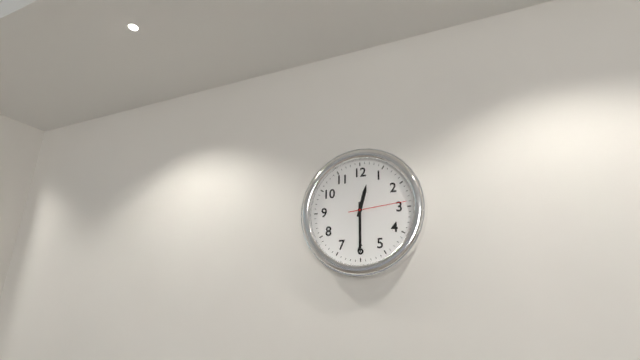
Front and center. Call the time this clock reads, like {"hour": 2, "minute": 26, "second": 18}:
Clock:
{"hour": 12, "minute": 30, "second": 14}
